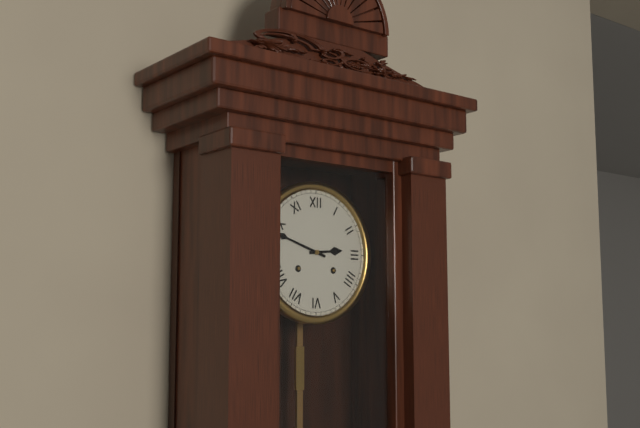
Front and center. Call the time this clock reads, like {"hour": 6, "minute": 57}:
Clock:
{"hour": 2, "minute": 48}
